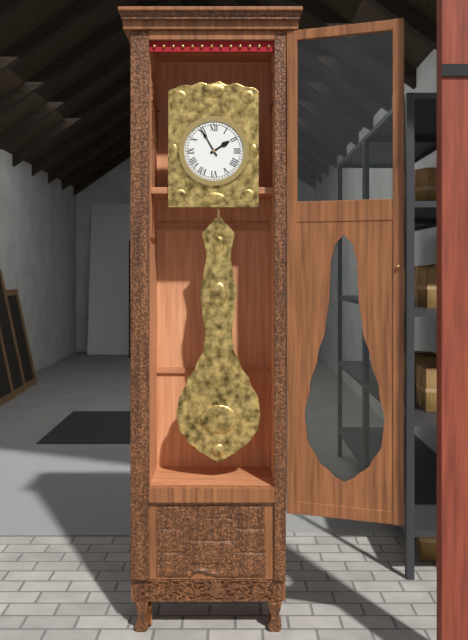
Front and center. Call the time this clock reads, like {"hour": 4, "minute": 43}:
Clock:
{"hour": 1, "minute": 55}
